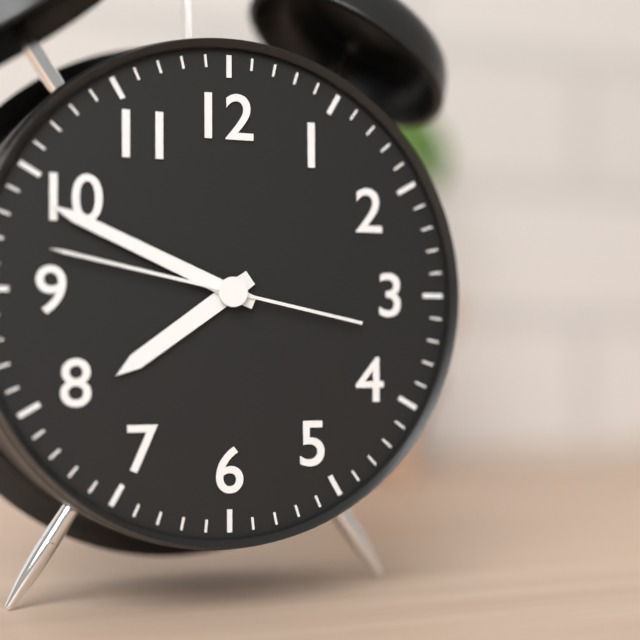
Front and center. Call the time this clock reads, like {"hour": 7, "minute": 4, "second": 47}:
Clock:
{"hour": 7, "minute": 49, "second": 47}
